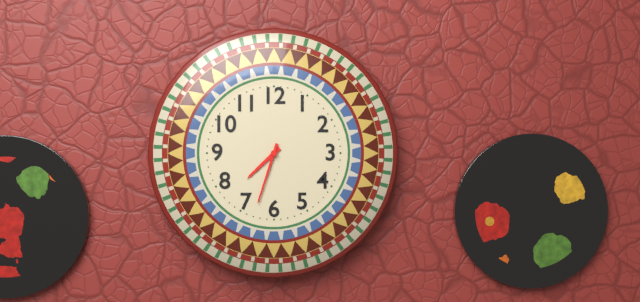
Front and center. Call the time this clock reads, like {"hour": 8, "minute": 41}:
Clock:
{"hour": 7, "minute": 33}
